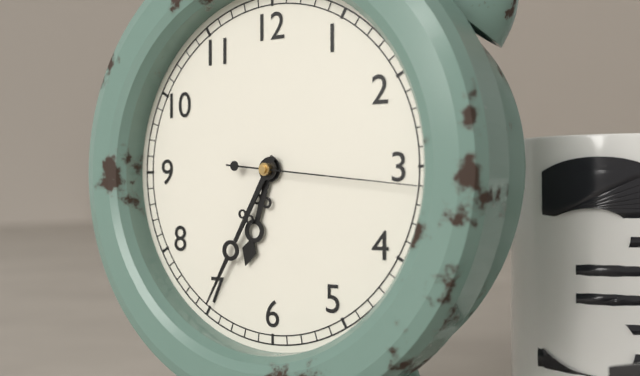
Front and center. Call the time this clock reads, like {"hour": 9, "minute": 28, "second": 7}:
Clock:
{"hour": 6, "minute": 35, "second": 16}
